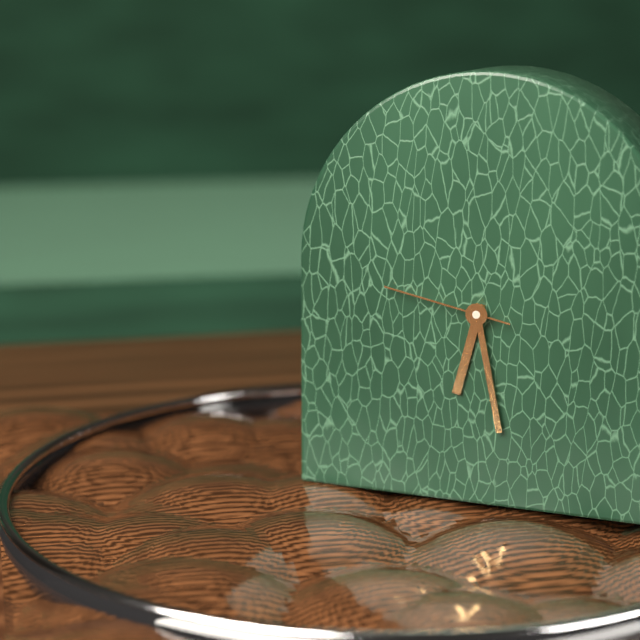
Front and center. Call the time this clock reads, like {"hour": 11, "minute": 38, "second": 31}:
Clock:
{"hour": 6, "minute": 28, "second": 47}
